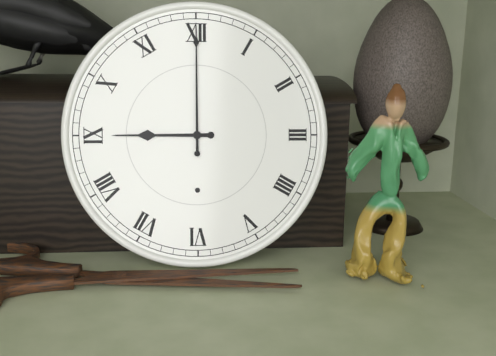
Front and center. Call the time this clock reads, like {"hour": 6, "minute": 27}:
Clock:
{"hour": 9, "minute": 0}
